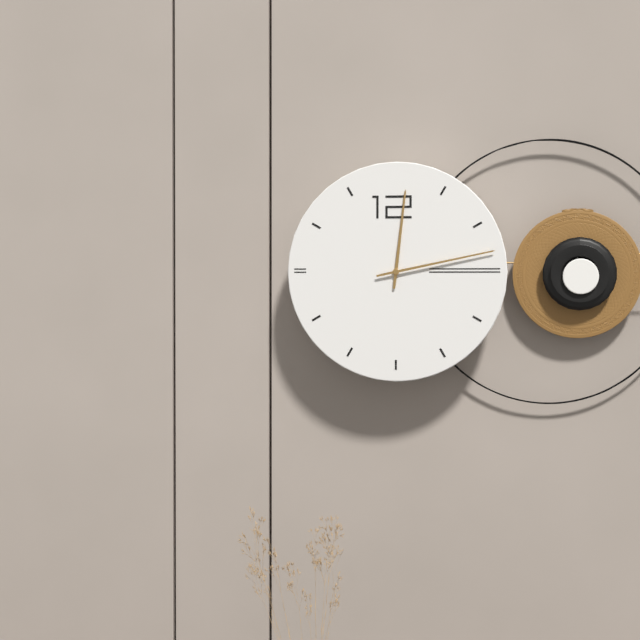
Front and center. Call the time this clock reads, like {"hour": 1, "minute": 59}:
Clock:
{"hour": 12, "minute": 13}
